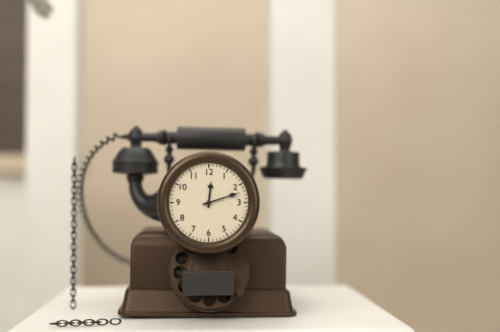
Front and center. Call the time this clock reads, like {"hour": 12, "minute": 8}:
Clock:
{"hour": 12, "minute": 12}
